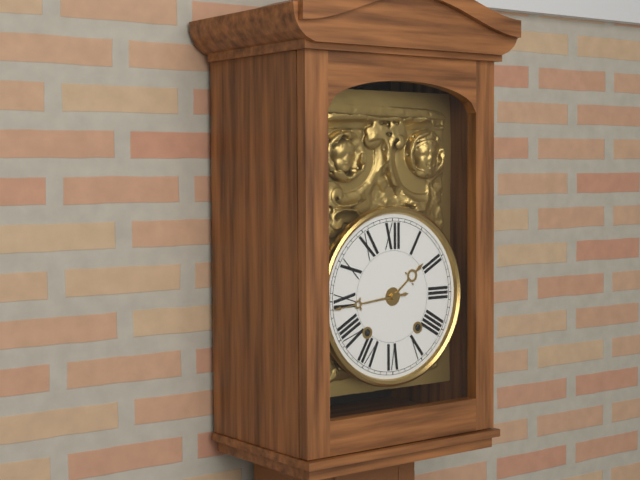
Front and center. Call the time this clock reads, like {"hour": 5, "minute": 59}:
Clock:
{"hour": 1, "minute": 44}
